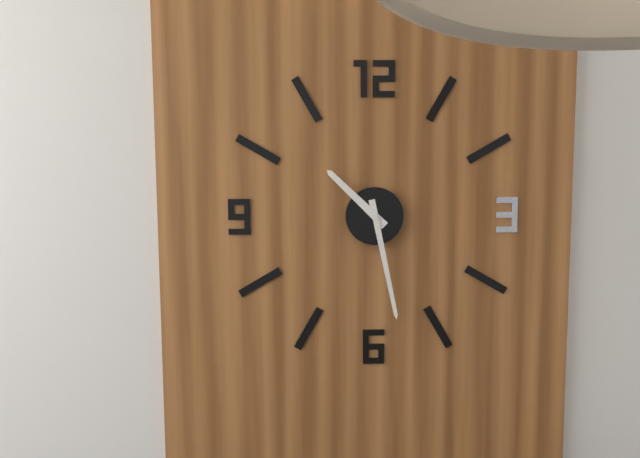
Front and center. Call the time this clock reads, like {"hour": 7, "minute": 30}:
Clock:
{"hour": 10, "minute": 28}
